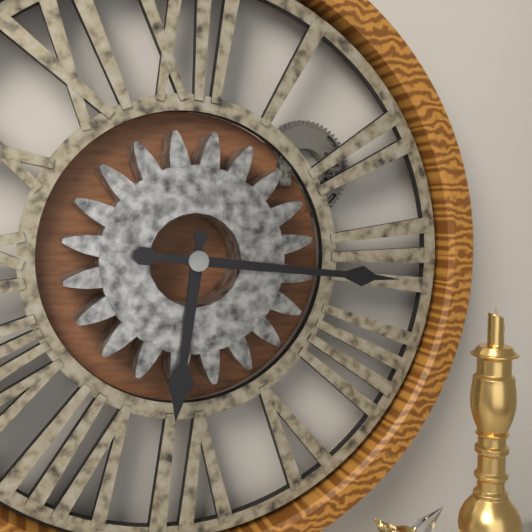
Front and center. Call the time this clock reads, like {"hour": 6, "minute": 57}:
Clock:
{"hour": 6, "minute": 16}
